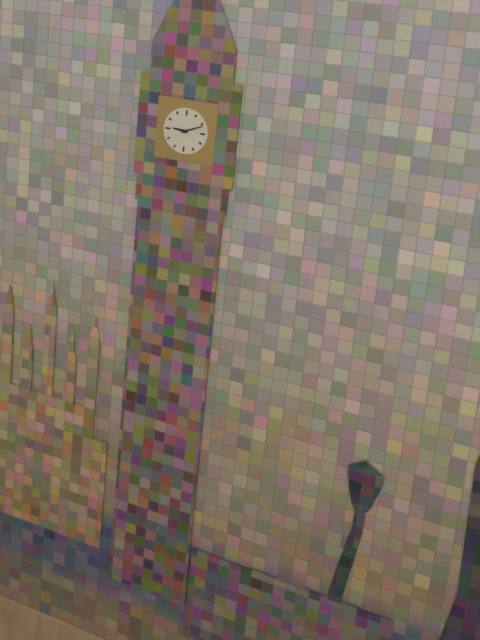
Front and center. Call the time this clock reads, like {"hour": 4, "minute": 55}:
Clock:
{"hour": 9, "minute": 11}
